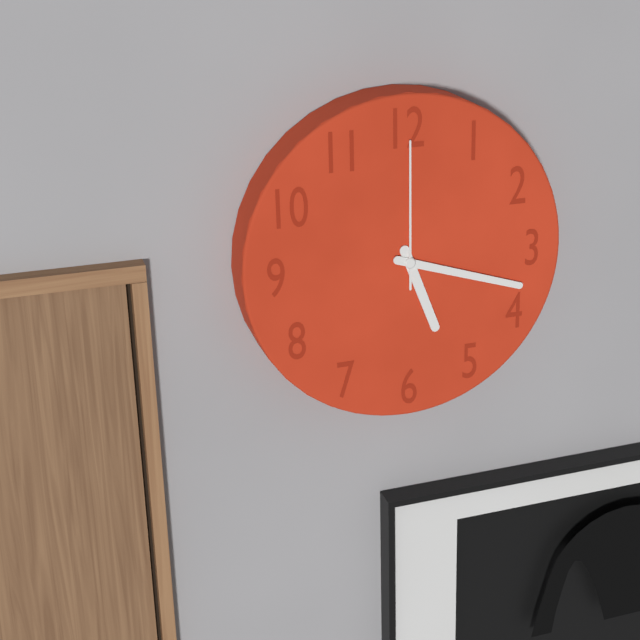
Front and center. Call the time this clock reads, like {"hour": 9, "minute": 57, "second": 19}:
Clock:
{"hour": 5, "minute": 18, "second": 0}
